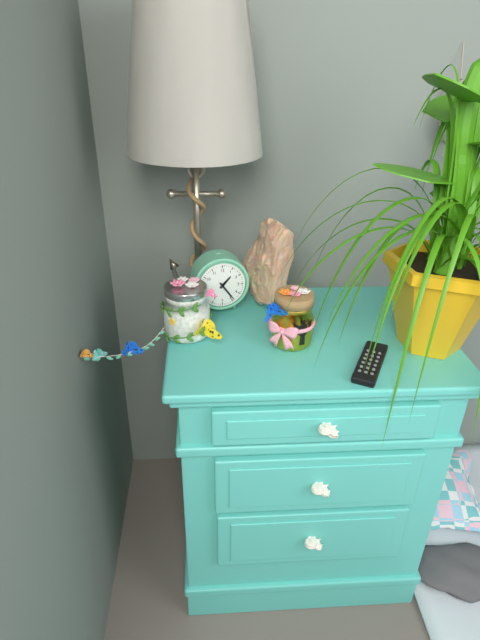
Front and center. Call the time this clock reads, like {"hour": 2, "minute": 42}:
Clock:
{"hour": 1, "minute": 24}
